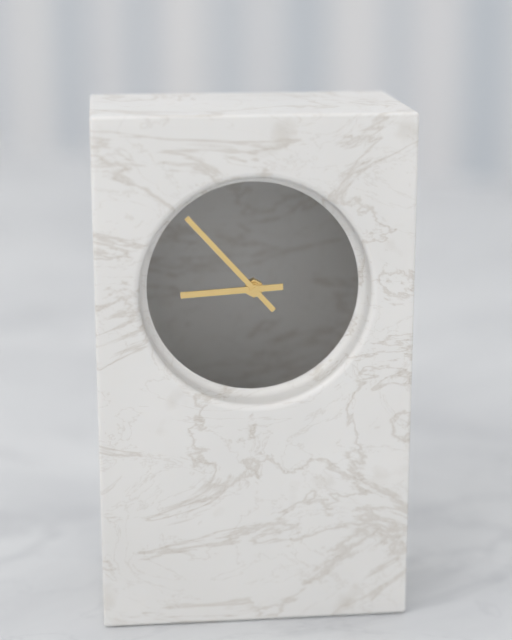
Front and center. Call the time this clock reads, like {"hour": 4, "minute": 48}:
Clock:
{"hour": 8, "minute": 53}
